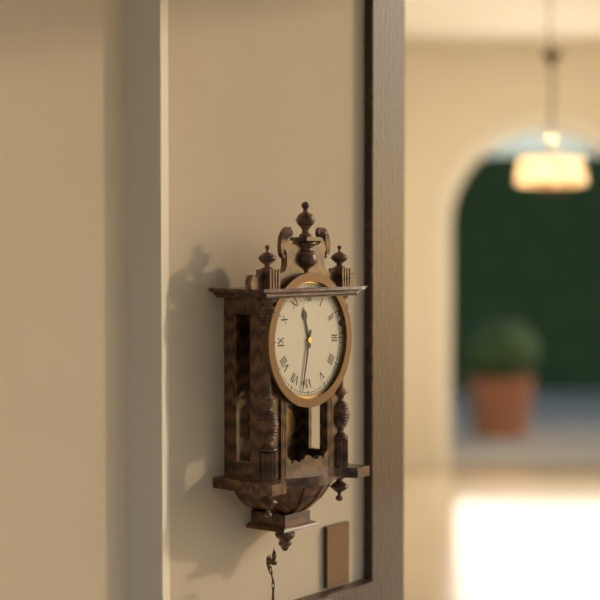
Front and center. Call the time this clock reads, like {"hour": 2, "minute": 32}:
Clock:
{"hour": 11, "minute": 32}
